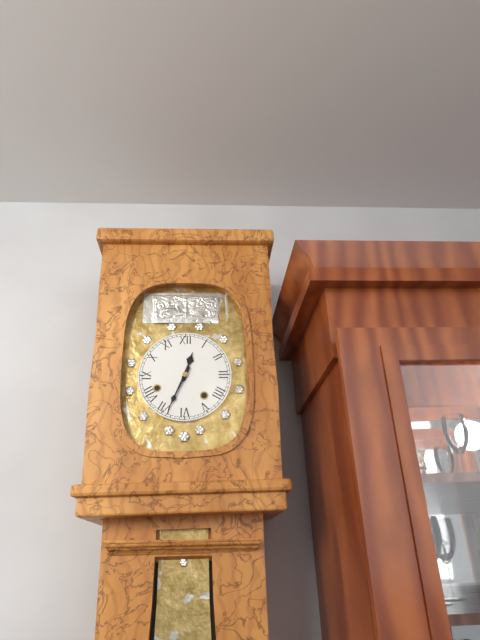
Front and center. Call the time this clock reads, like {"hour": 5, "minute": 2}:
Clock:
{"hour": 12, "minute": 34}
